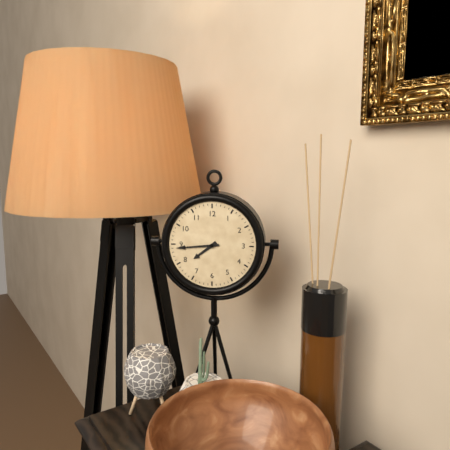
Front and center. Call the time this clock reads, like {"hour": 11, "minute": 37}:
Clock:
{"hour": 7, "minute": 44}
